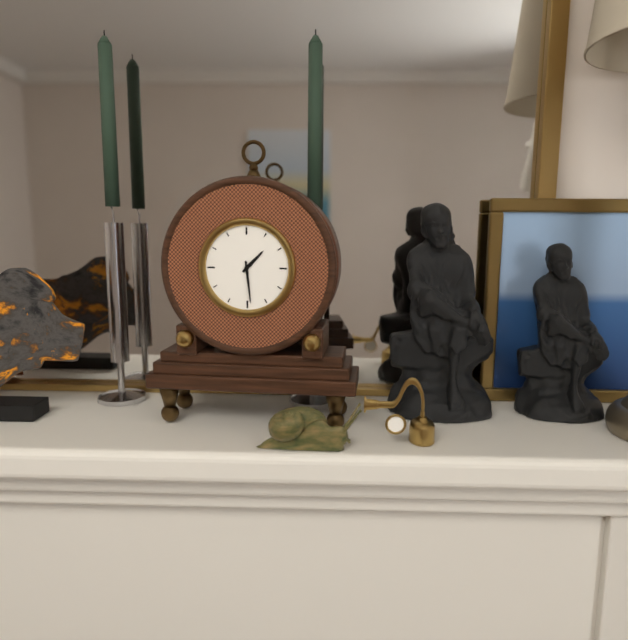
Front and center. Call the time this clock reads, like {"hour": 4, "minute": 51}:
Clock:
{"hour": 1, "minute": 29}
